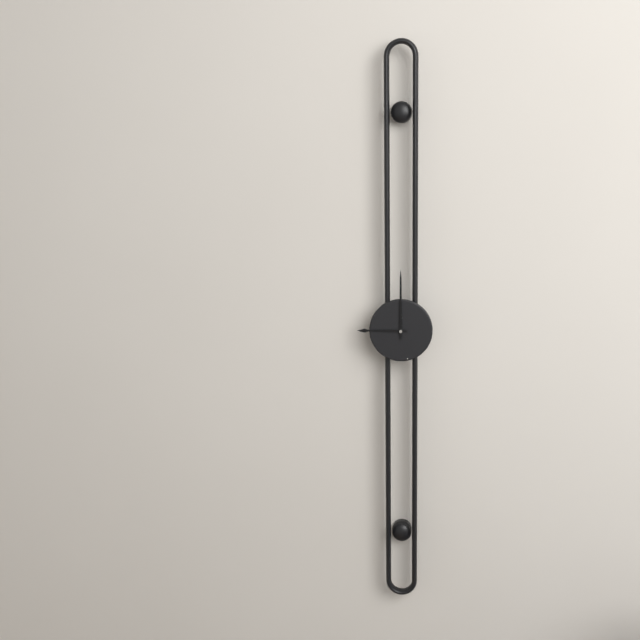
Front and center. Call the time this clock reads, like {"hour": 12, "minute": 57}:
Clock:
{"hour": 9, "minute": 0}
